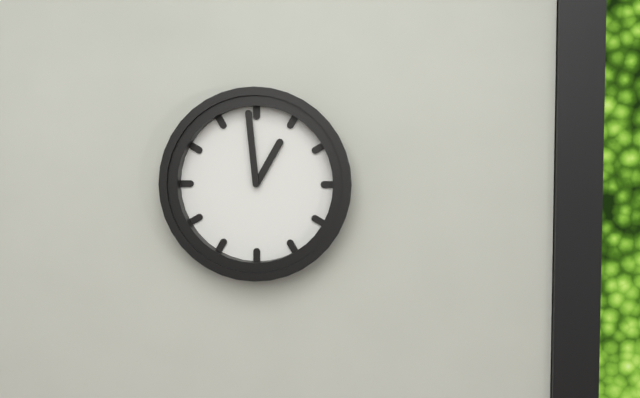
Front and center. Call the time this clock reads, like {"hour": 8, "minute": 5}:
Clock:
{"hour": 12, "minute": 59}
